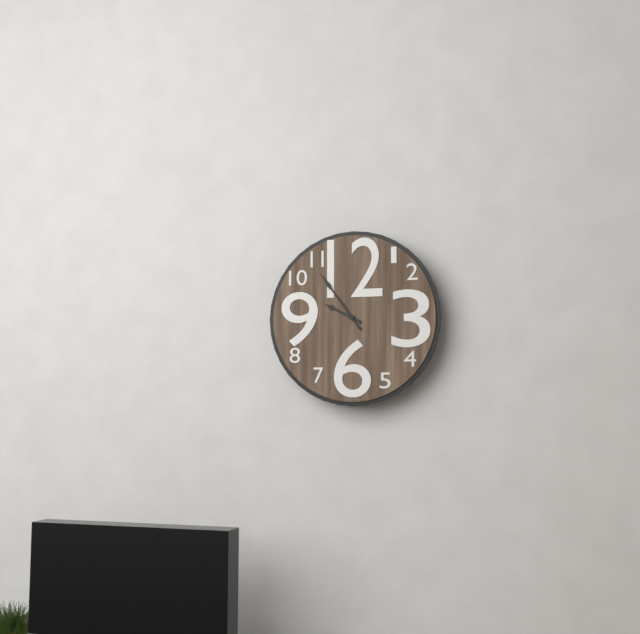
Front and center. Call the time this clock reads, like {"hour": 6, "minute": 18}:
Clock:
{"hour": 9, "minute": 54}
